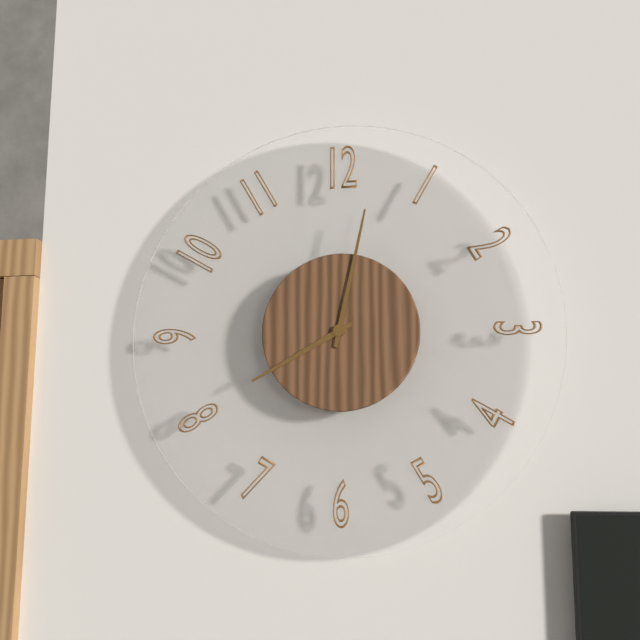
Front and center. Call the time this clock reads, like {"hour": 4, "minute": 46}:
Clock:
{"hour": 8, "minute": 2}
